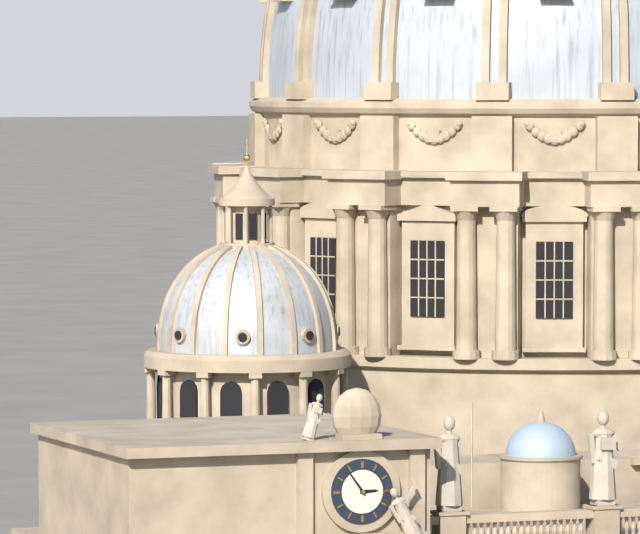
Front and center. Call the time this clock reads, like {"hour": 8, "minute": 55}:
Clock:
{"hour": 2, "minute": 54}
